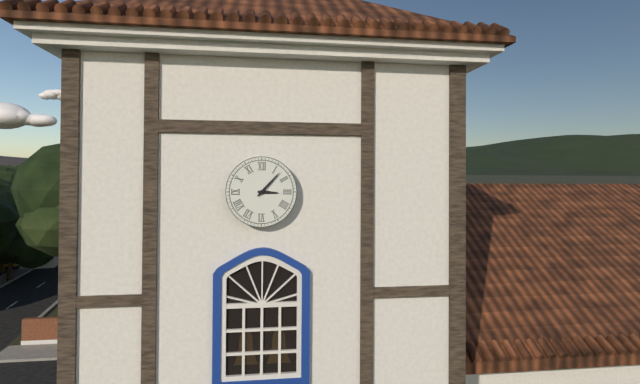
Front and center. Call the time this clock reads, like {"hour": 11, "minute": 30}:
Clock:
{"hour": 3, "minute": 7}
